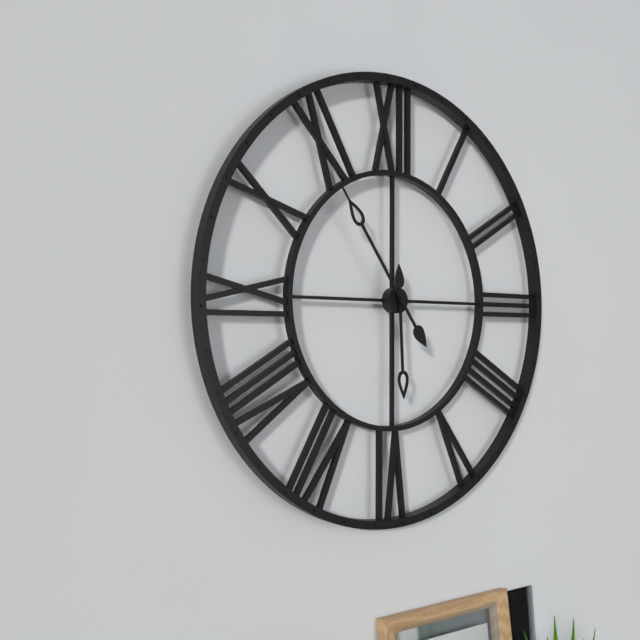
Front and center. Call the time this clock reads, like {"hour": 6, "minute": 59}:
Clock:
{"hour": 5, "minute": 54}
